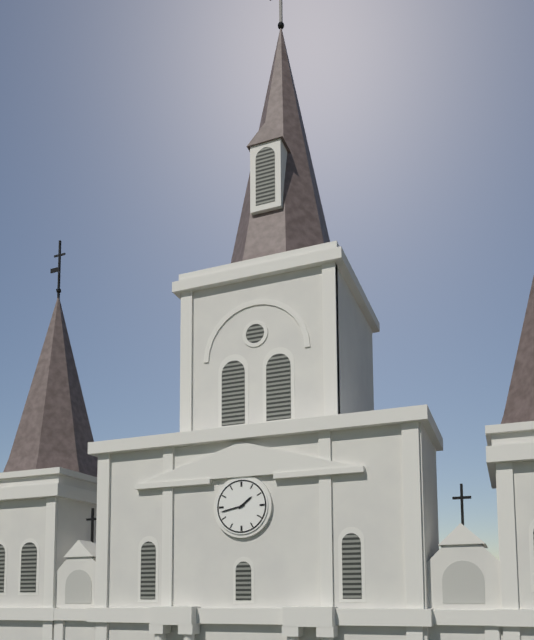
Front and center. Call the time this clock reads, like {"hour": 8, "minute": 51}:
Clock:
{"hour": 1, "minute": 43}
